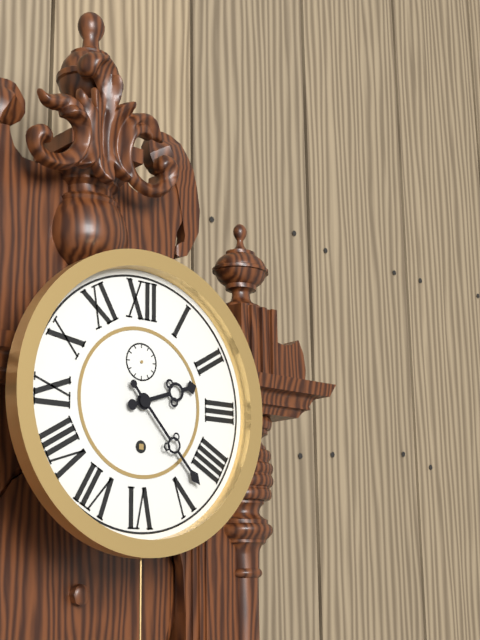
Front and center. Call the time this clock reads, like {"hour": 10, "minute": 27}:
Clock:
{"hour": 2, "minute": 23}
